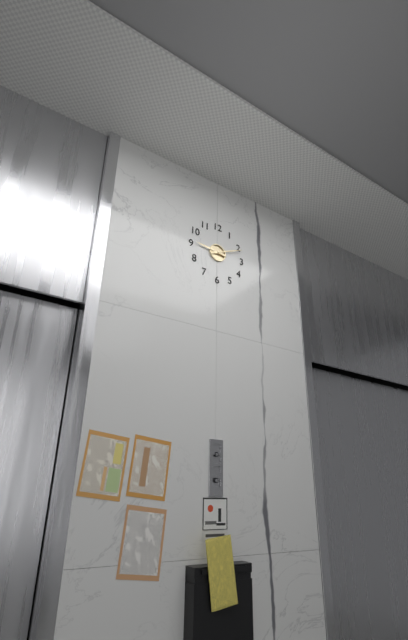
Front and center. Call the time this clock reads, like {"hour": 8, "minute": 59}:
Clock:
{"hour": 9, "minute": 11}
